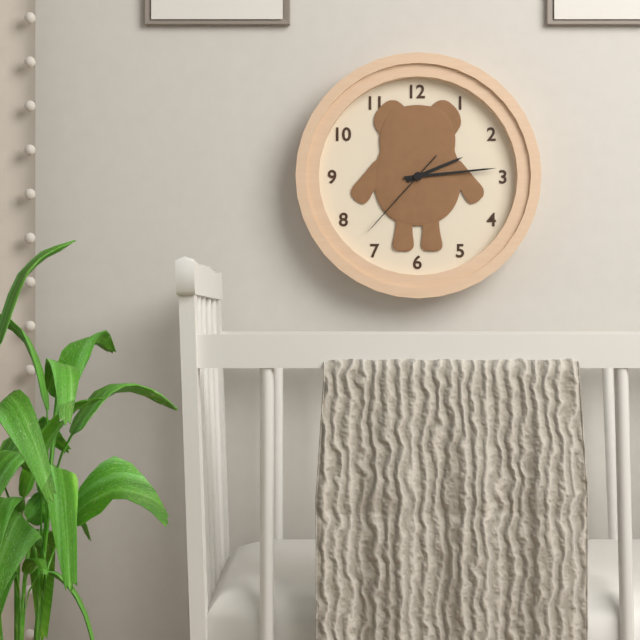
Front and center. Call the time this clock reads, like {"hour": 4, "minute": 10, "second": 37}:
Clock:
{"hour": 2, "minute": 14, "second": 37}
